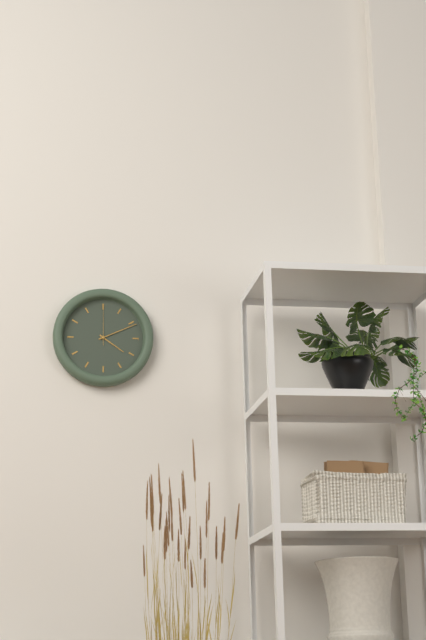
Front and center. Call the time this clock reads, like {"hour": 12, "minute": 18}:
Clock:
{"hour": 4, "minute": 11}
